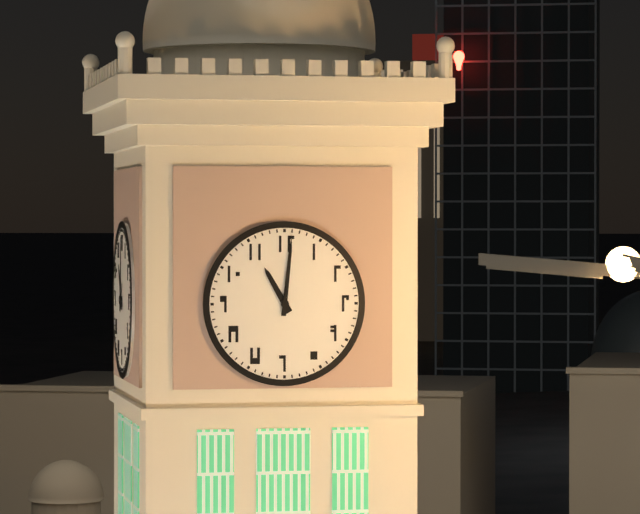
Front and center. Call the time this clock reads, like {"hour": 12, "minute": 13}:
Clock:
{"hour": 11, "minute": 1}
